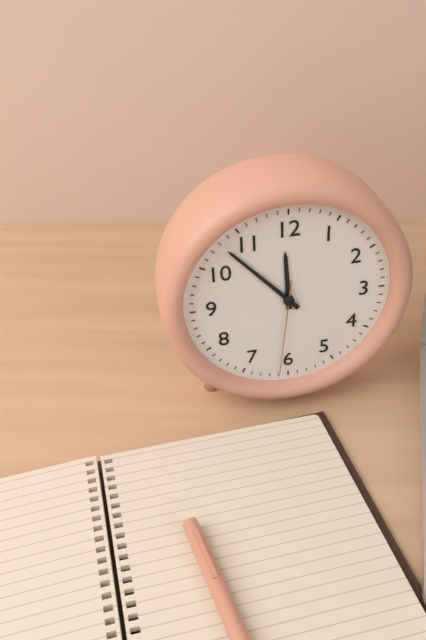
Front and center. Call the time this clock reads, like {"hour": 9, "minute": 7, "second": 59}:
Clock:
{"hour": 11, "minute": 53, "second": 31}
